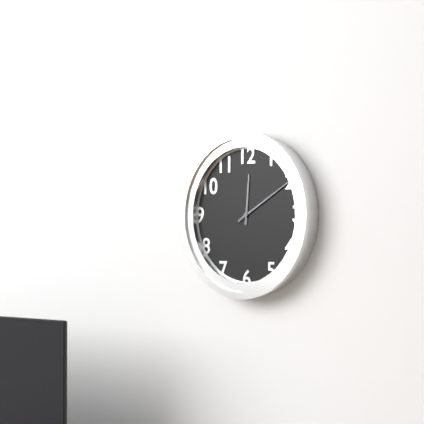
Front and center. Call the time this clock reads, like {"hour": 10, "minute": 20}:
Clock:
{"hour": 12, "minute": 10}
